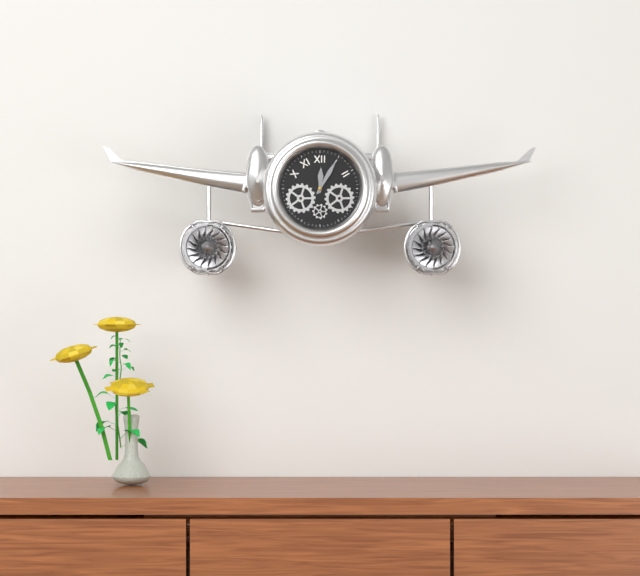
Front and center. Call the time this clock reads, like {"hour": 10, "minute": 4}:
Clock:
{"hour": 12, "minute": 5}
